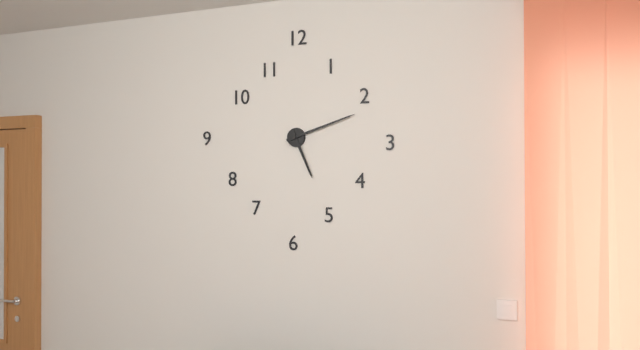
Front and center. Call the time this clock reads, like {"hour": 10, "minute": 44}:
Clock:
{"hour": 5, "minute": 12}
